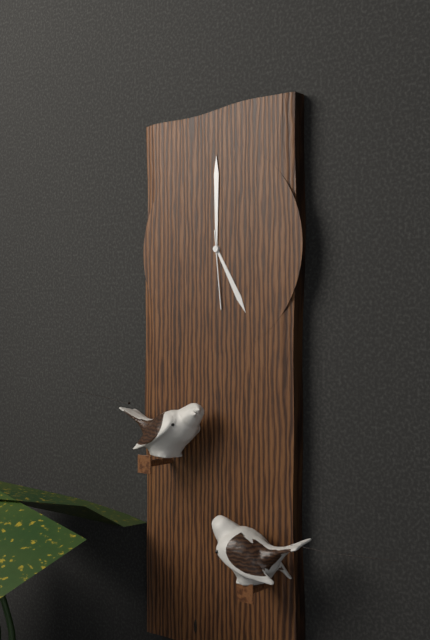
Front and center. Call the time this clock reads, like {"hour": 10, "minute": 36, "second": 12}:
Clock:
{"hour": 5, "minute": 0, "second": 29}
